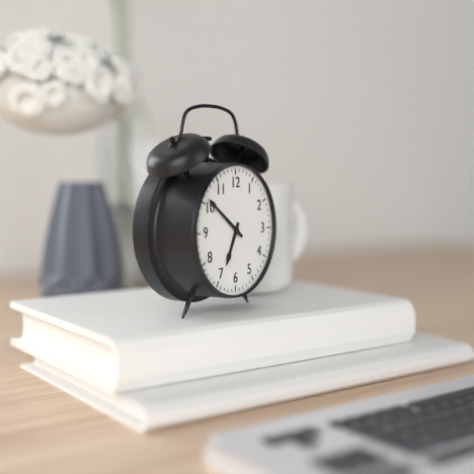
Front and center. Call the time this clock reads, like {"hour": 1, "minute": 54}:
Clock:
{"hour": 6, "minute": 51}
